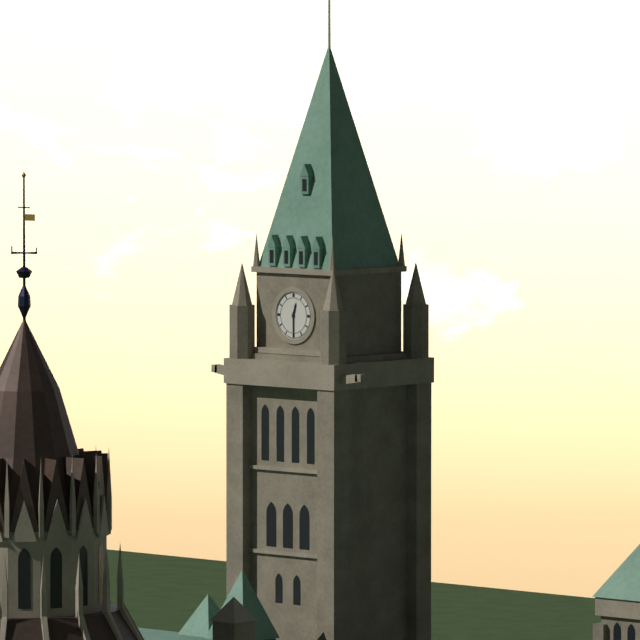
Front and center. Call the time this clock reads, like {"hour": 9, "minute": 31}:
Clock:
{"hour": 12, "minute": 30}
